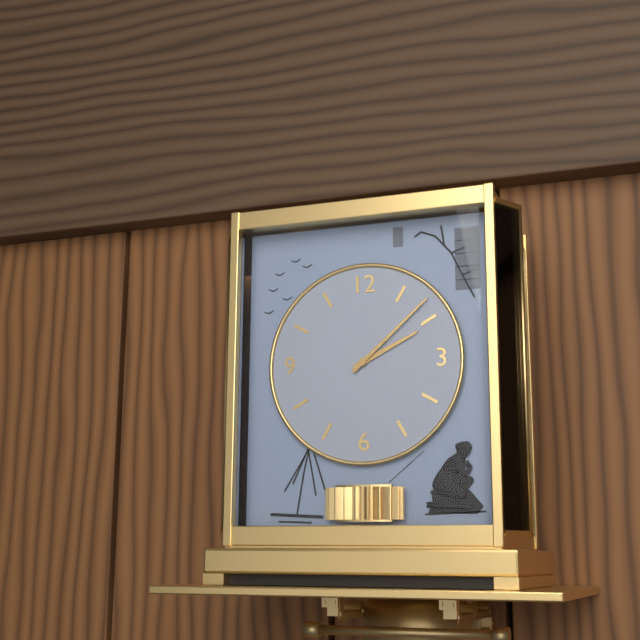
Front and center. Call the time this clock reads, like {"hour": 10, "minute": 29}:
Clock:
{"hour": 2, "minute": 8}
